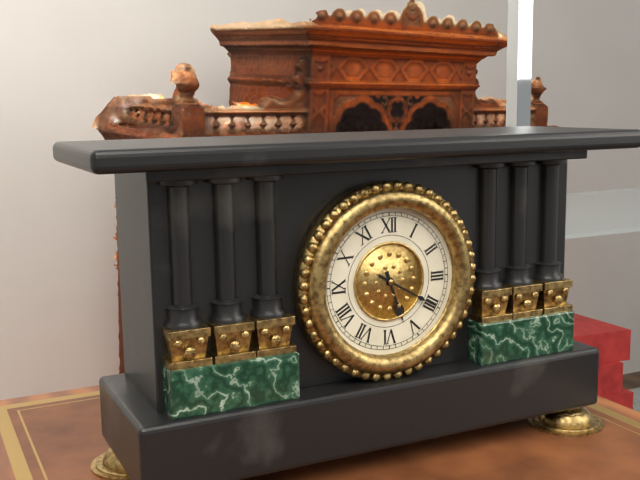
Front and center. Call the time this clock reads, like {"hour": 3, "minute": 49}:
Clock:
{"hour": 5, "minute": 20}
